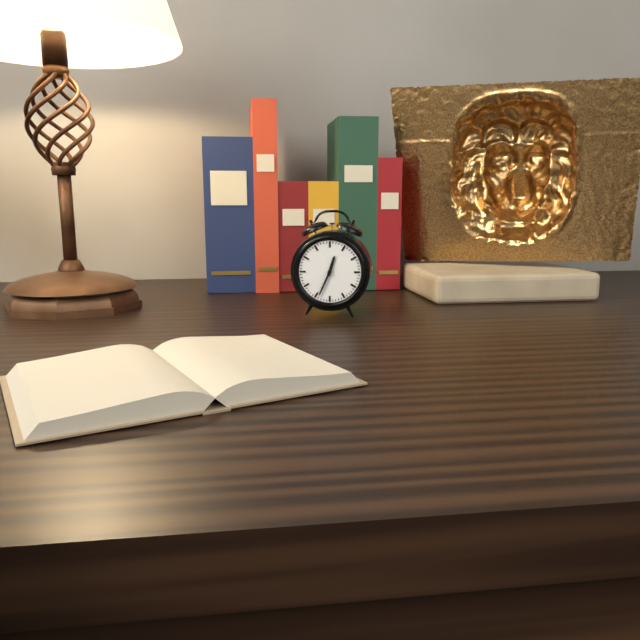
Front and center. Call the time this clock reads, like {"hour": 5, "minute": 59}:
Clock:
{"hour": 12, "minute": 34}
